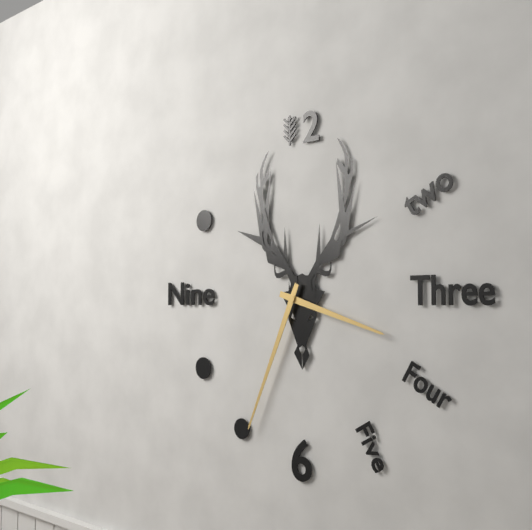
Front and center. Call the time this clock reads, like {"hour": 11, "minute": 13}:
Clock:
{"hour": 3, "minute": 34}
